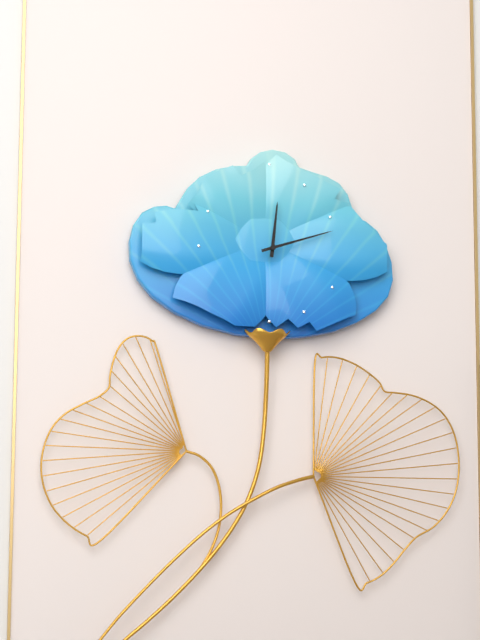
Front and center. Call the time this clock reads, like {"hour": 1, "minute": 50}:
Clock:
{"hour": 12, "minute": 12}
